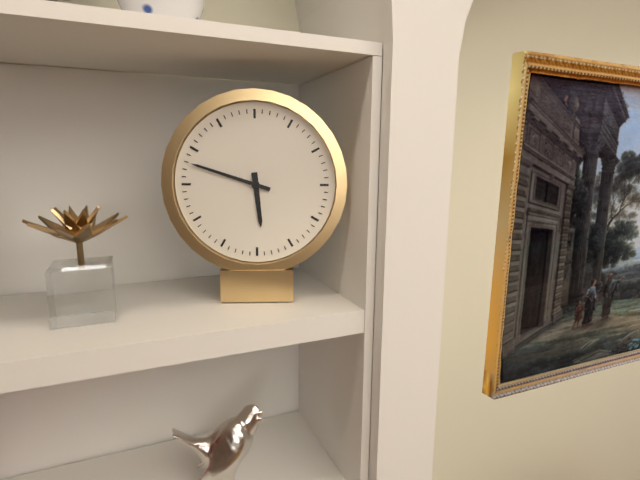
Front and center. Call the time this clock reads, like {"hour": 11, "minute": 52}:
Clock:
{"hour": 5, "minute": 48}
